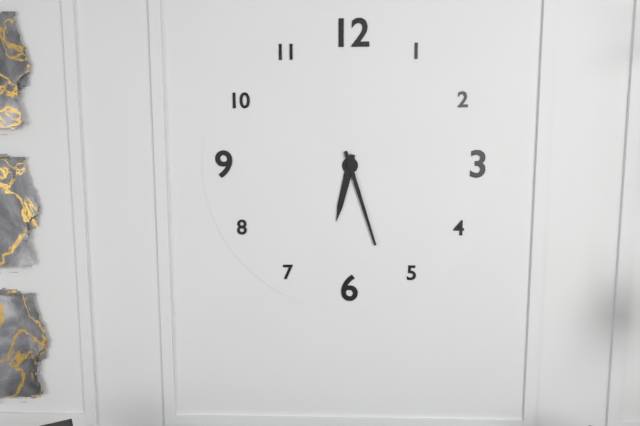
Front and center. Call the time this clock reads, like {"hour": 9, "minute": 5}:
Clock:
{"hour": 6, "minute": 27}
